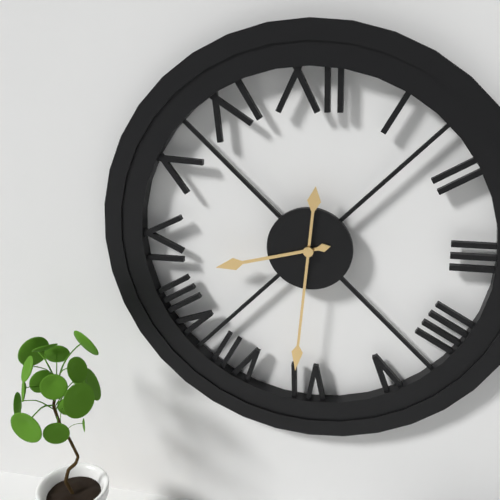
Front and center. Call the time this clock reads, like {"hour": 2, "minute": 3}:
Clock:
{"hour": 8, "minute": 31}
